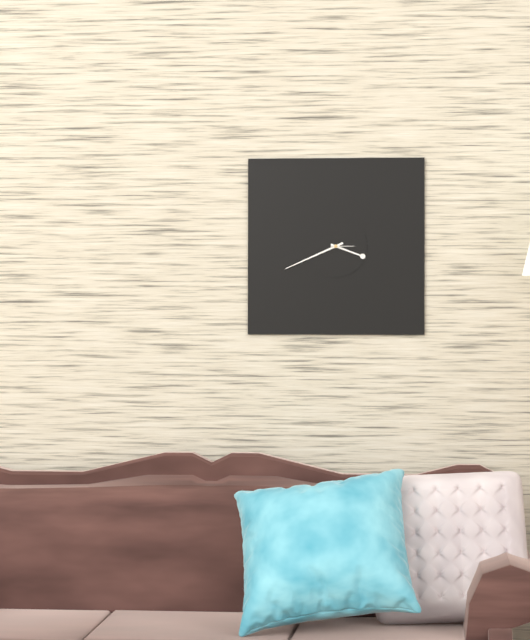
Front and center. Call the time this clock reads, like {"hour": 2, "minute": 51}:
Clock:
{"hour": 3, "minute": 41}
